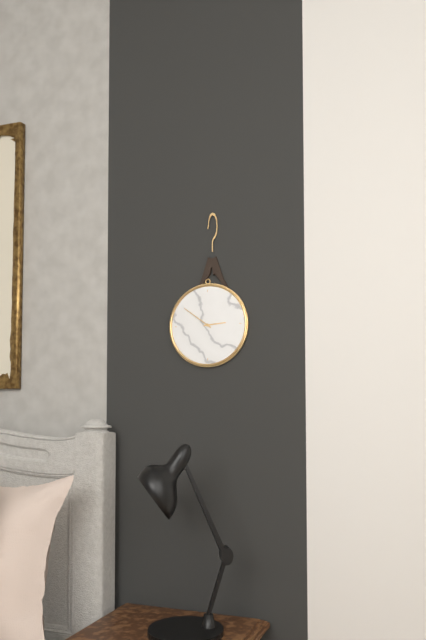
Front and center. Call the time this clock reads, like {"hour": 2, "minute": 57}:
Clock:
{"hour": 2, "minute": 51}
